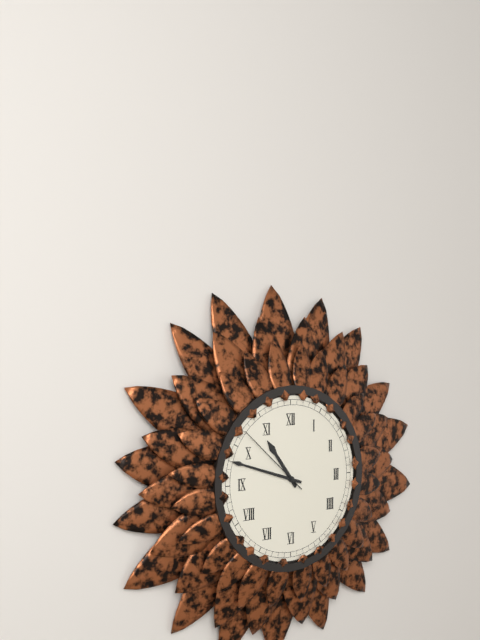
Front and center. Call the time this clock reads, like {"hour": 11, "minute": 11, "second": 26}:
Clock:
{"hour": 10, "minute": 48, "second": 52}
